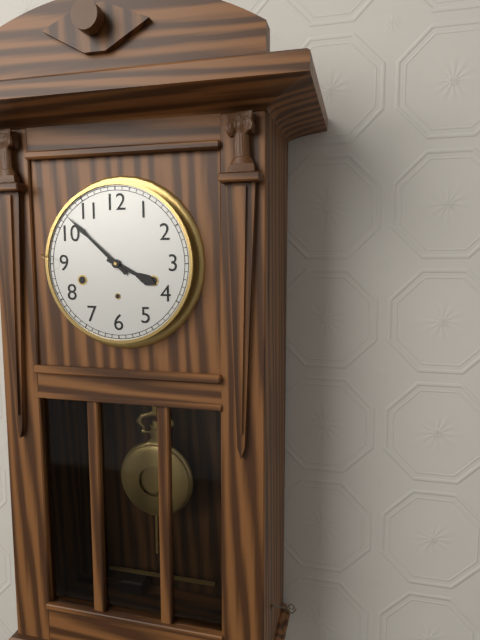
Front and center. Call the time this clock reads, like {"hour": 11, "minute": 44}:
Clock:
{"hour": 3, "minute": 52}
